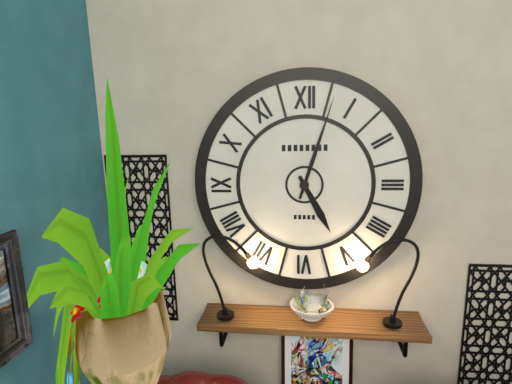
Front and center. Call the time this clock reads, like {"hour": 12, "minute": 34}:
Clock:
{"hour": 5, "minute": 3}
